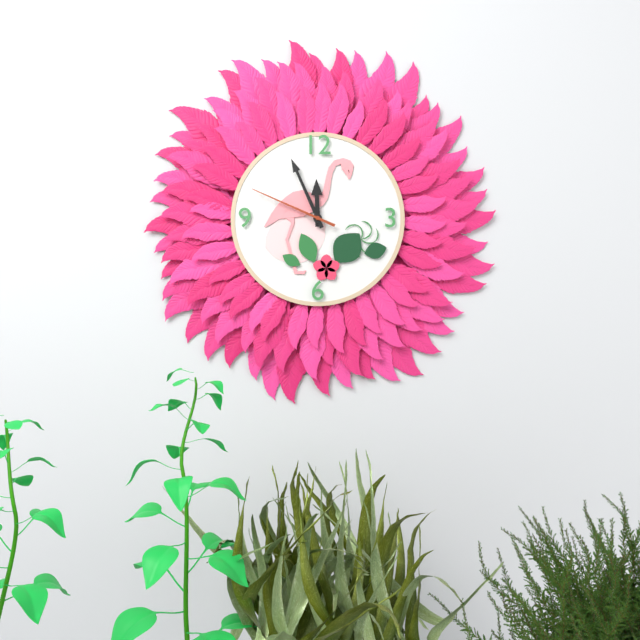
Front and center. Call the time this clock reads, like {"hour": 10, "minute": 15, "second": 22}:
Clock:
{"hour": 11, "minute": 56, "second": 49}
